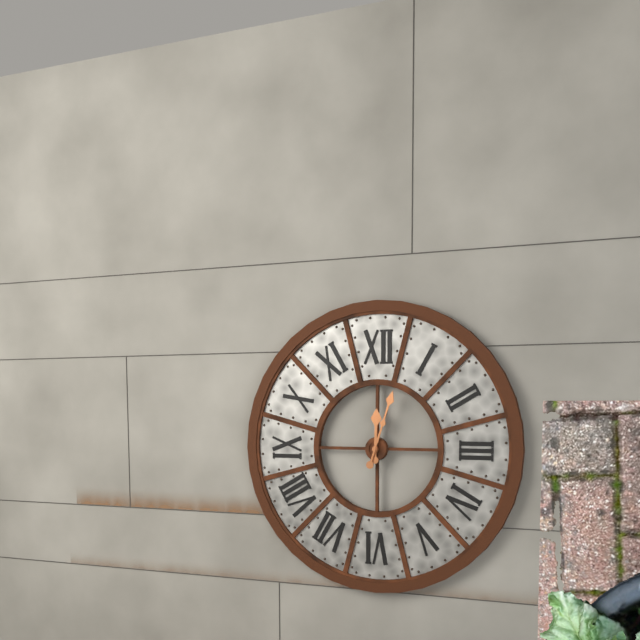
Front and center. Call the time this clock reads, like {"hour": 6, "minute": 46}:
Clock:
{"hour": 12, "minute": 3}
